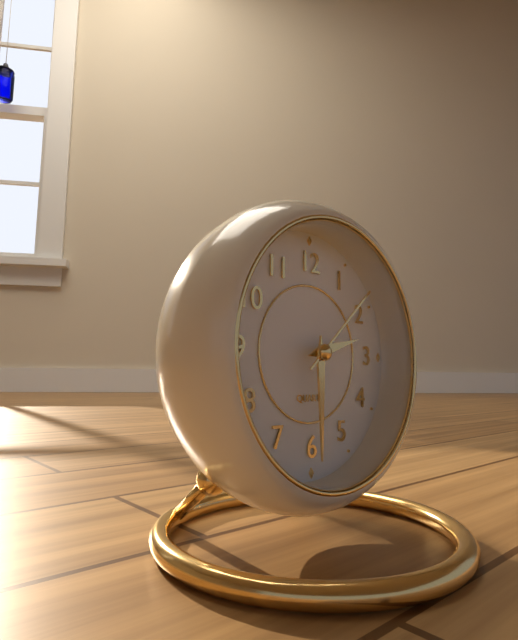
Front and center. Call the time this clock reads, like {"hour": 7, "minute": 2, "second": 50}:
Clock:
{"hour": 2, "minute": 30, "second": 8}
